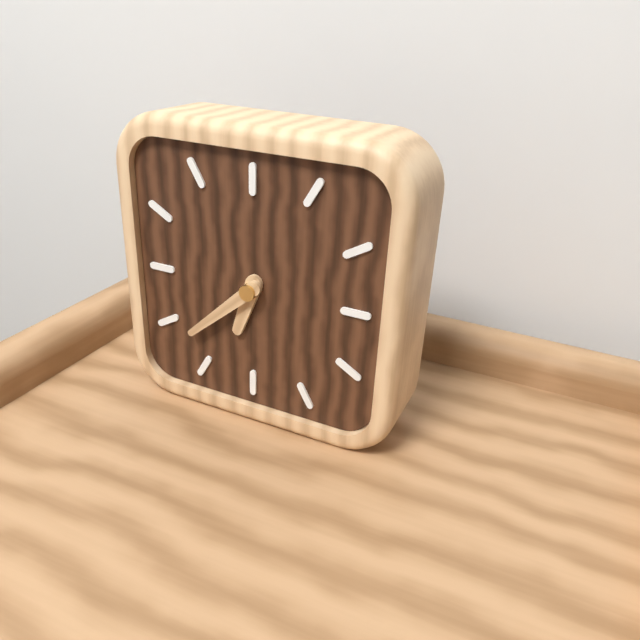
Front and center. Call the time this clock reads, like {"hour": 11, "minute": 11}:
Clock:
{"hour": 6, "minute": 38}
